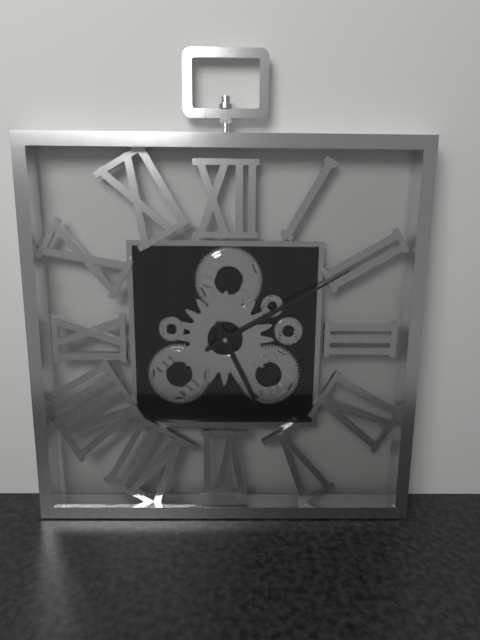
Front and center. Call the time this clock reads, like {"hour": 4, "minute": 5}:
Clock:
{"hour": 5, "minute": 10}
